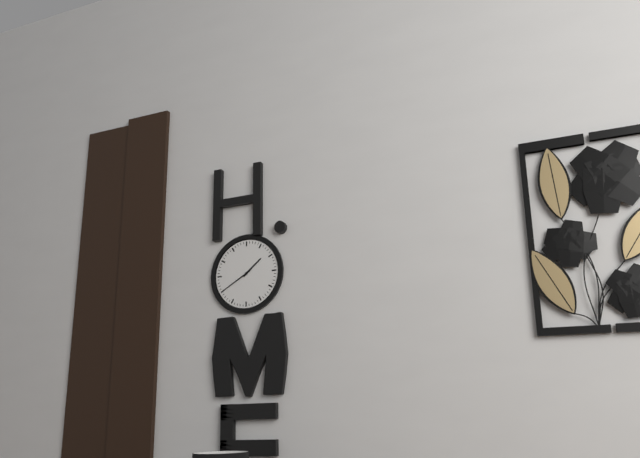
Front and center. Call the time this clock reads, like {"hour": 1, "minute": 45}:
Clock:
{"hour": 1, "minute": 40}
